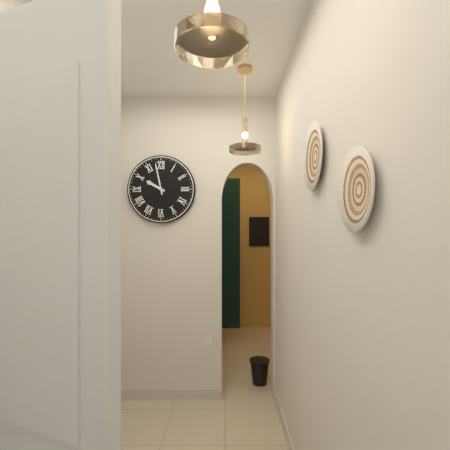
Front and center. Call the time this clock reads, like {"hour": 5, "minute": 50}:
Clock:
{"hour": 9, "minute": 58}
